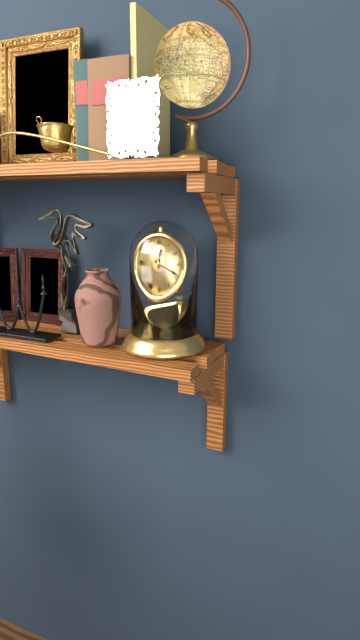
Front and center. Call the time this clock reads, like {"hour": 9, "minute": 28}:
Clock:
{"hour": 12, "minute": 19}
